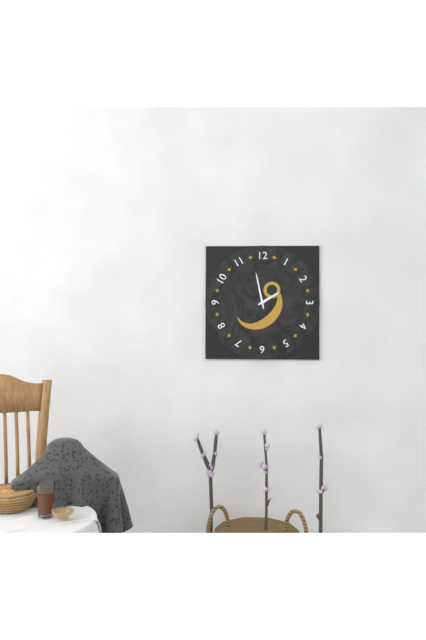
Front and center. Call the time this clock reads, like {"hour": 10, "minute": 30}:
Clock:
{"hour": 1, "minute": 58}
